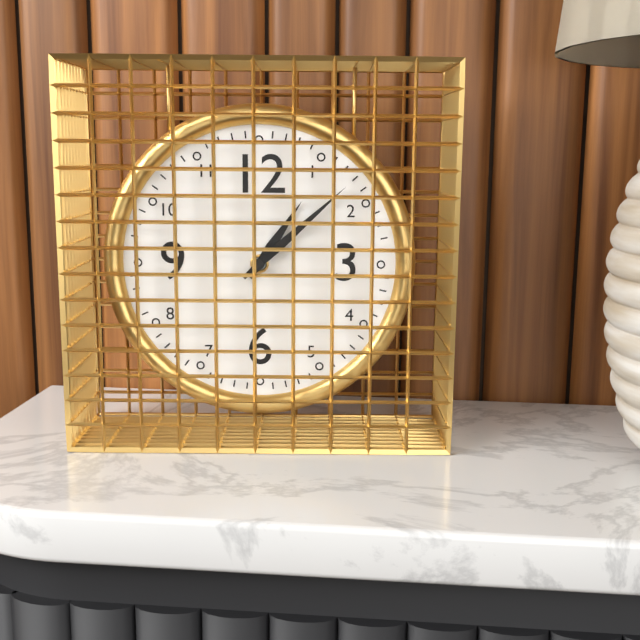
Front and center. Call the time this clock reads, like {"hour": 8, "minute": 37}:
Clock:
{"hour": 1, "minute": 8}
